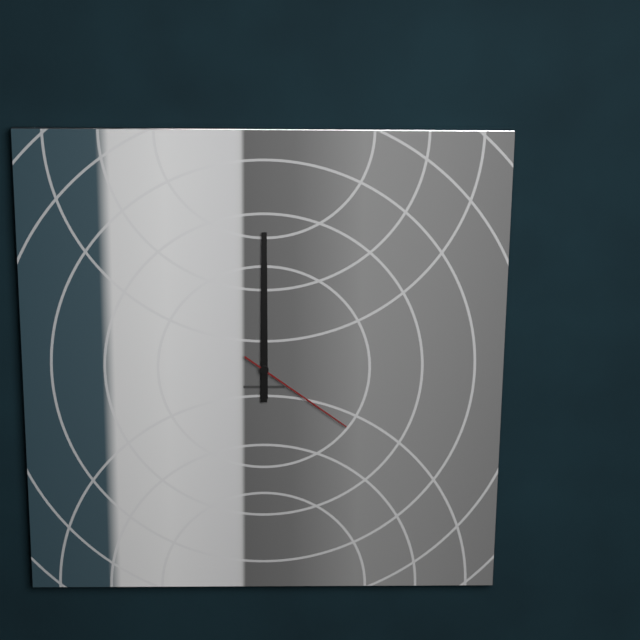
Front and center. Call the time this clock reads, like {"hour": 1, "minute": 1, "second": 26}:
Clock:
{"hour": 12, "minute": 0, "second": 21}
